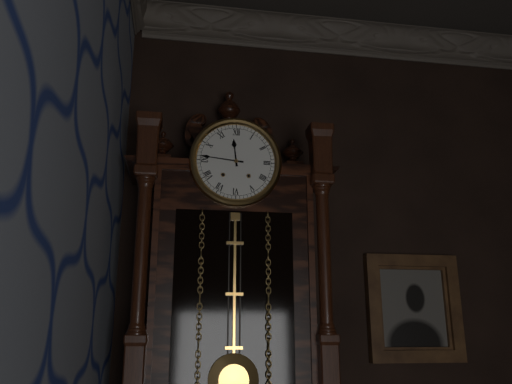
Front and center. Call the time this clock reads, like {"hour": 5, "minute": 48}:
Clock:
{"hour": 11, "minute": 46}
